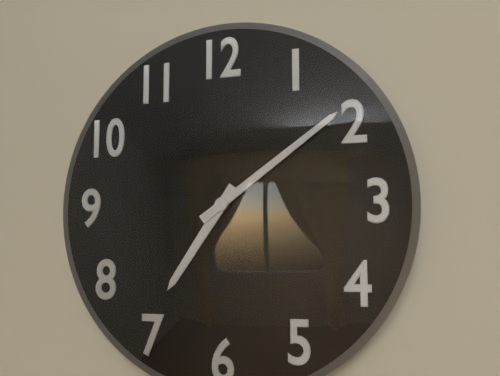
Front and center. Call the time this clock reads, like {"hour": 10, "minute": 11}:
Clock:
{"hour": 7, "minute": 9}
